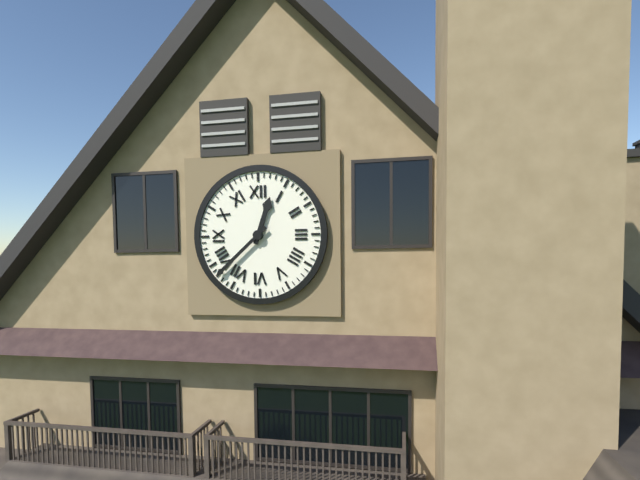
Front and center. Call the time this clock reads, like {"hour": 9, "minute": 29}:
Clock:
{"hour": 12, "minute": 38}
